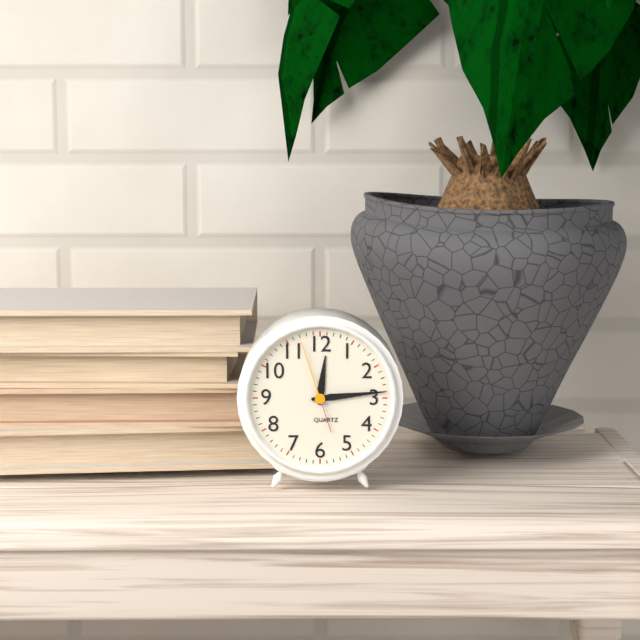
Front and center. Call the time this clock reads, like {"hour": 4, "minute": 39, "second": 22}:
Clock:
{"hour": 12, "minute": 14, "second": 57}
